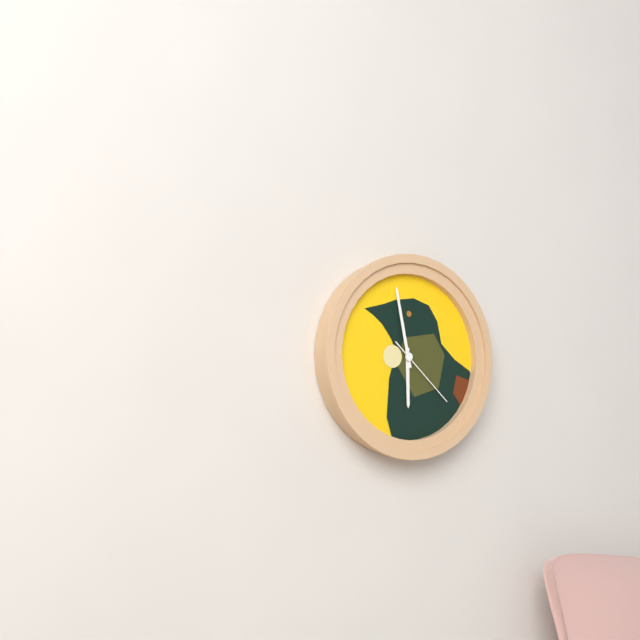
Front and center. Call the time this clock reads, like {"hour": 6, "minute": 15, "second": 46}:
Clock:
{"hour": 5, "minute": 58, "second": 22}
